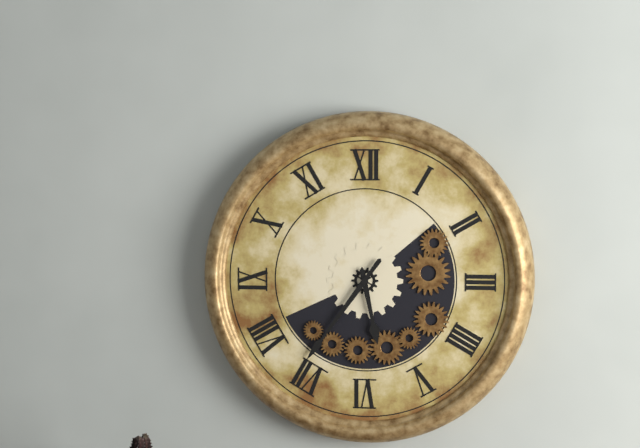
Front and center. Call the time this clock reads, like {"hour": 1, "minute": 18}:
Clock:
{"hour": 5, "minute": 36}
